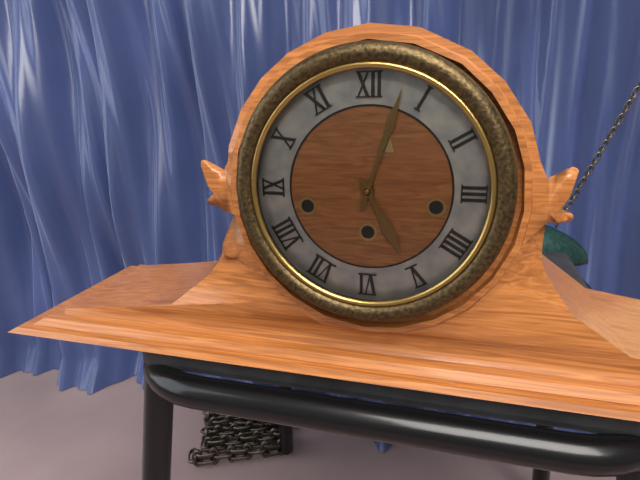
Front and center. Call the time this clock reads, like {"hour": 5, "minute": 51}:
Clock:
{"hour": 5, "minute": 3}
